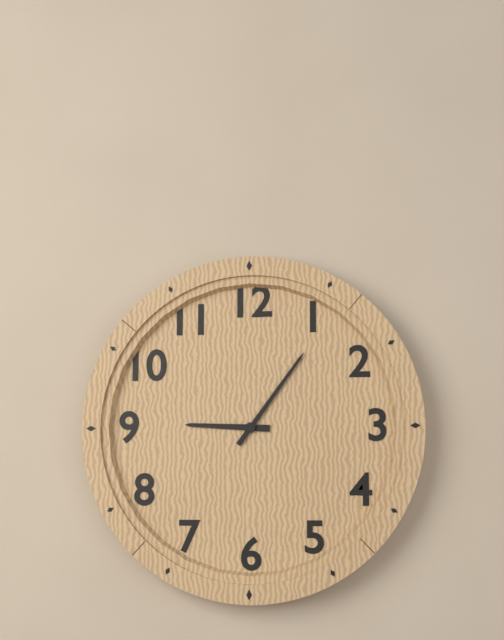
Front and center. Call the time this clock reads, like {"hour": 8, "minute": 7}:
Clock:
{"hour": 9, "minute": 6}
